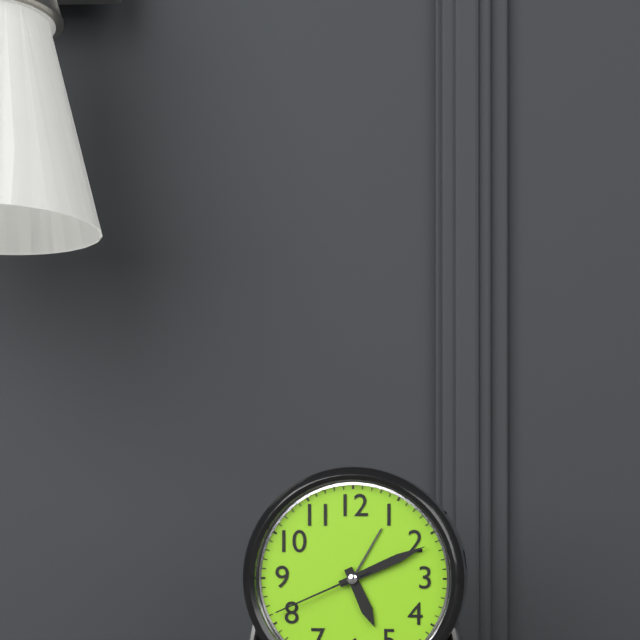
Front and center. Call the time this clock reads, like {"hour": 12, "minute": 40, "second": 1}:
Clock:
{"hour": 5, "minute": 11, "second": 41}
